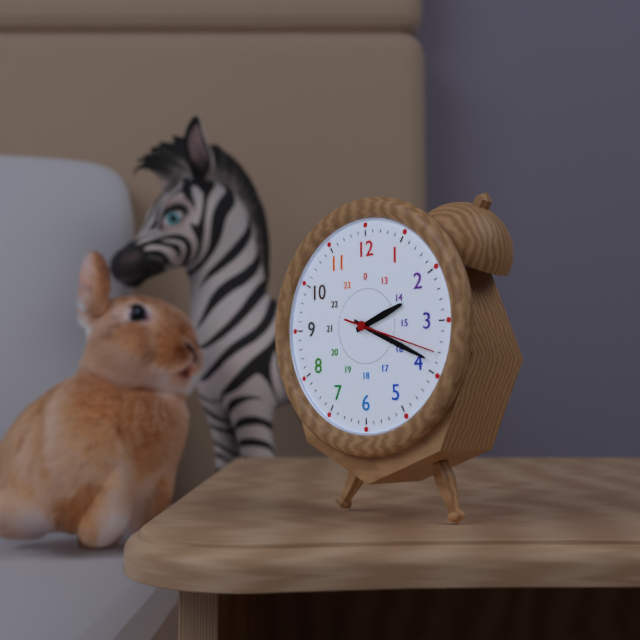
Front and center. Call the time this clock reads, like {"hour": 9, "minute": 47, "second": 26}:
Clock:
{"hour": 2, "minute": 19, "second": 18}
